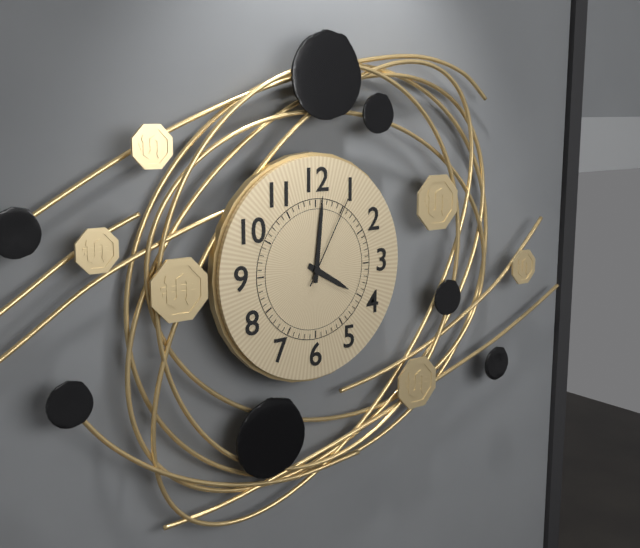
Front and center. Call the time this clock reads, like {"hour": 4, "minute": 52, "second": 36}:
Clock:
{"hour": 4, "minute": 1, "second": 5}
